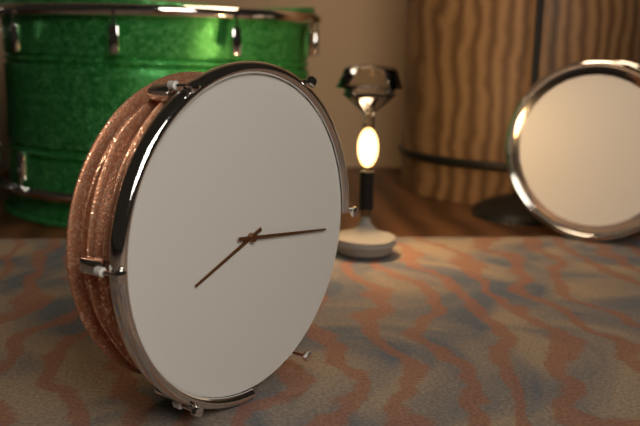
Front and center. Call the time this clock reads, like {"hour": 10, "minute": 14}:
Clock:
{"hour": 8, "minute": 16}
